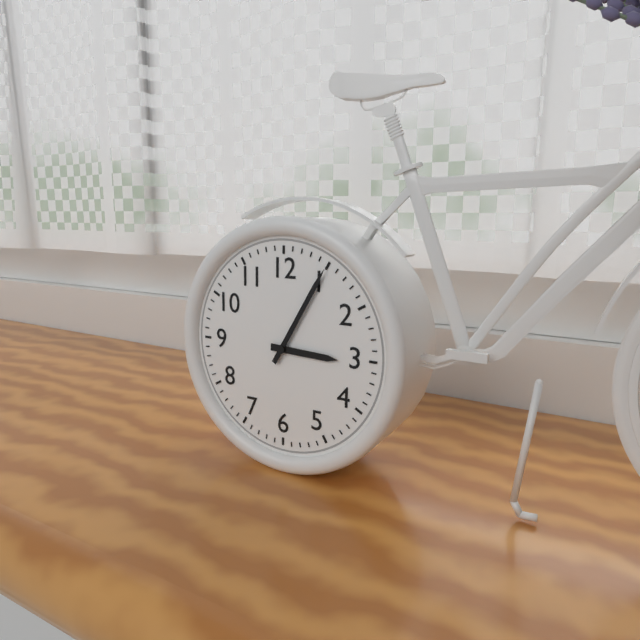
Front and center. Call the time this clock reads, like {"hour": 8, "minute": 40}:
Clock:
{"hour": 3, "minute": 5}
